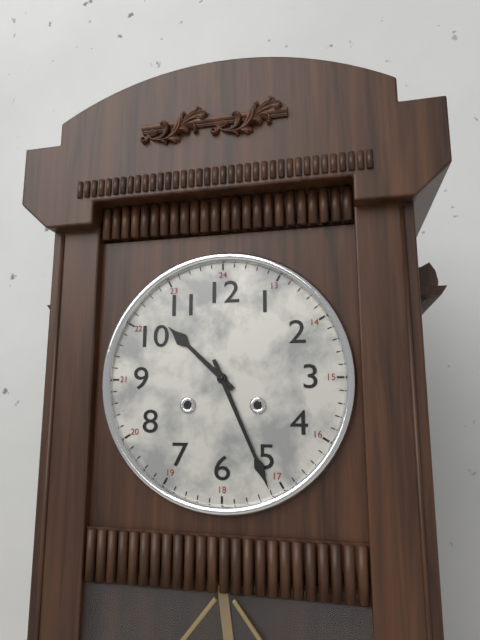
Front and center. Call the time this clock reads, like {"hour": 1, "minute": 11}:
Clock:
{"hour": 10, "minute": 26}
